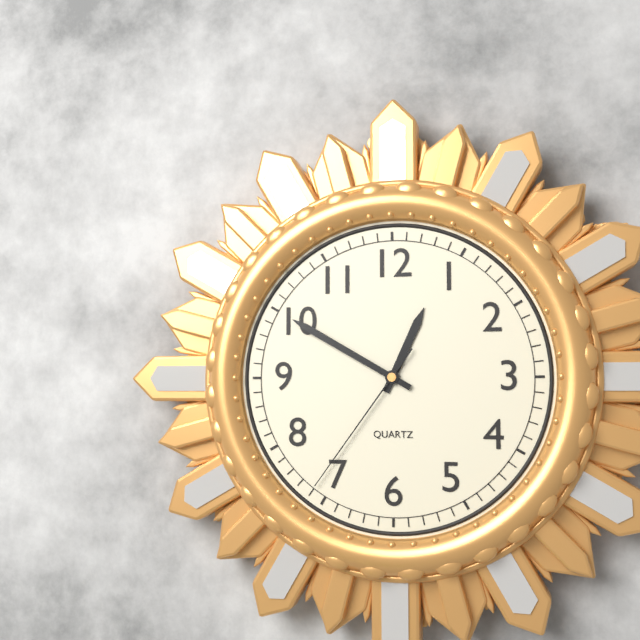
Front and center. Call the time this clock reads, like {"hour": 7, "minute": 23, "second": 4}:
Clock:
{"hour": 12, "minute": 50, "second": 36}
